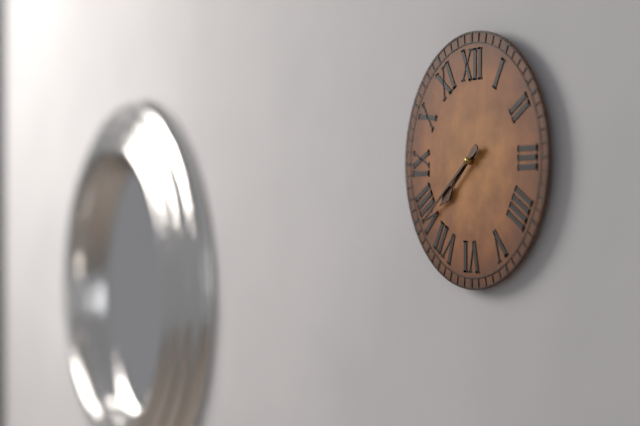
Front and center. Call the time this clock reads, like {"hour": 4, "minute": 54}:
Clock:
{"hour": 7, "minute": 39}
